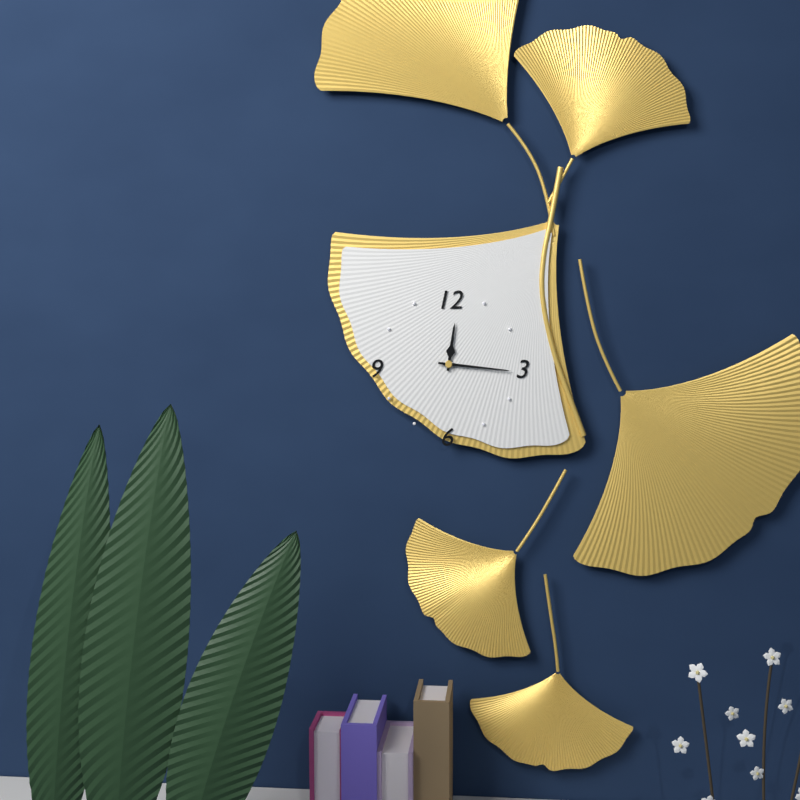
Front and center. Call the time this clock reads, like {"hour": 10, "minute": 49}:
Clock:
{"hour": 12, "minute": 16}
